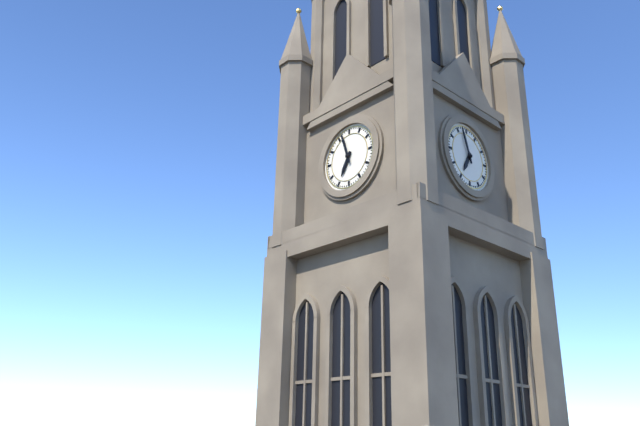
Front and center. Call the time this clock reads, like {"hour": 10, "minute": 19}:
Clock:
{"hour": 6, "minute": 57}
